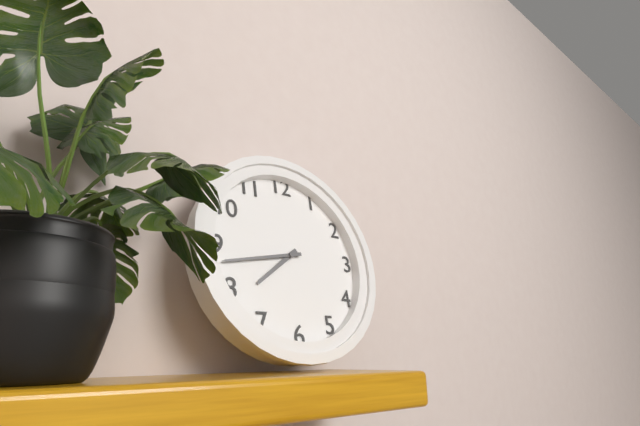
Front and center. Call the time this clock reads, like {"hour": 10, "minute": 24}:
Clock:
{"hour": 7, "minute": 43}
